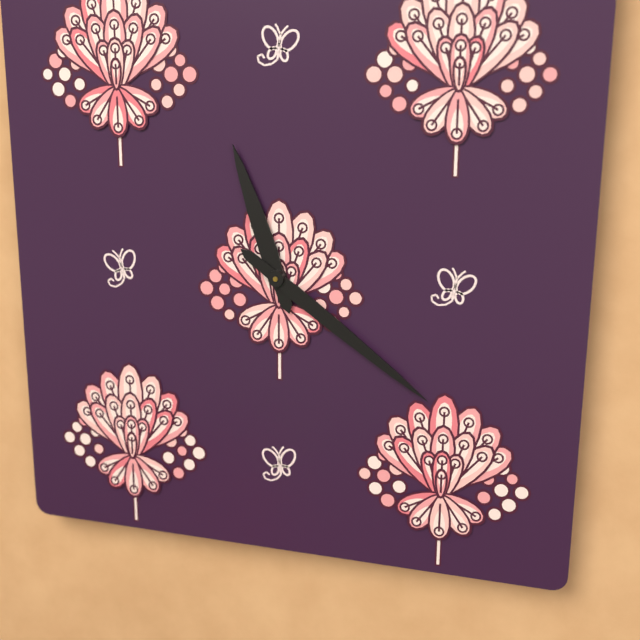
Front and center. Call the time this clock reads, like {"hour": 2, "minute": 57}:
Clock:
{"hour": 11, "minute": 21}
